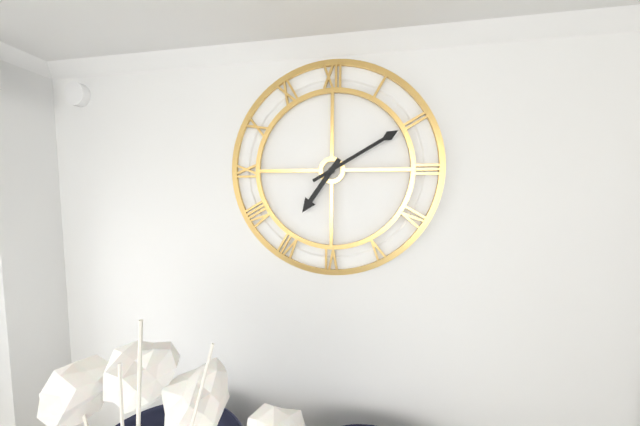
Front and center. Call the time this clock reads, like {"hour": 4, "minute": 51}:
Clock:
{"hour": 7, "minute": 10}
